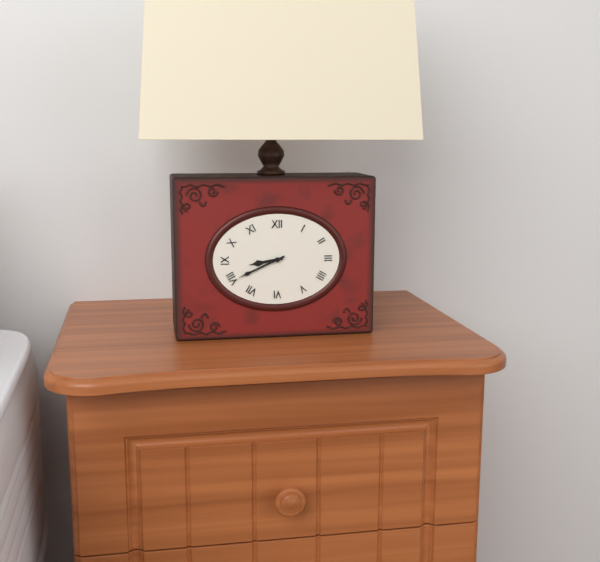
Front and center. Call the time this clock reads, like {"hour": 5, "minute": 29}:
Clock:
{"hour": 8, "minute": 41}
